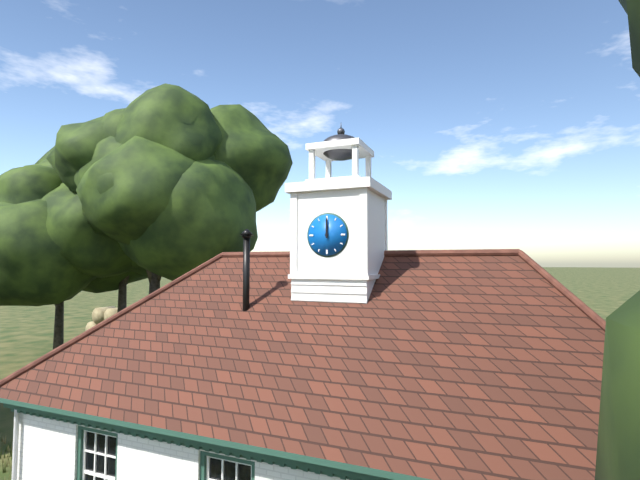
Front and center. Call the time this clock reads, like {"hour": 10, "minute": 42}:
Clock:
{"hour": 12, "minute": 0}
